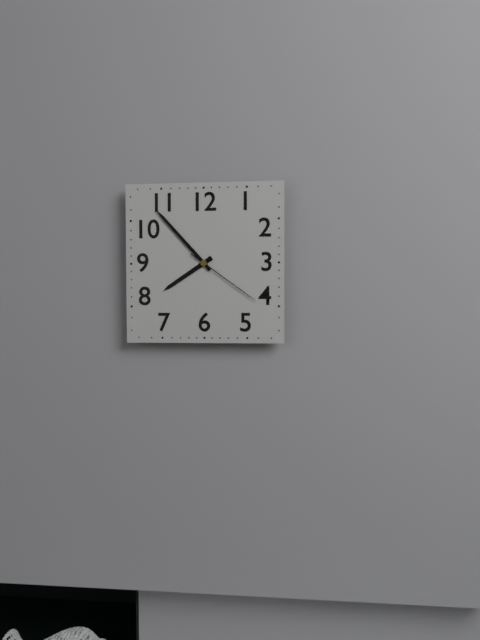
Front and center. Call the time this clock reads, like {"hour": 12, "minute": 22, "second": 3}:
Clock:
{"hour": 7, "minute": 53, "second": 21}
